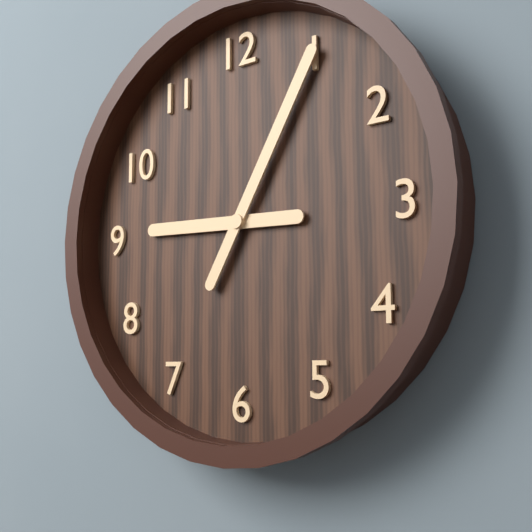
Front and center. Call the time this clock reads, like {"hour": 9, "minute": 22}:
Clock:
{"hour": 9, "minute": 5}
